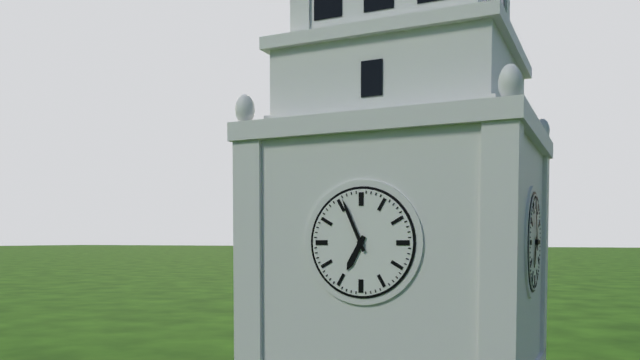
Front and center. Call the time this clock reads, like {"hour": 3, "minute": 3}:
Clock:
{"hour": 6, "minute": 56}
